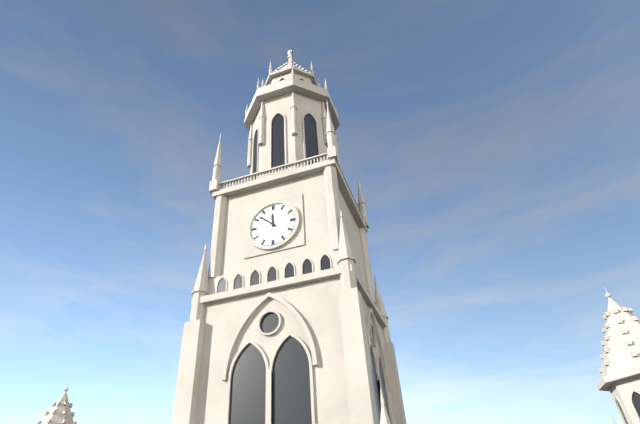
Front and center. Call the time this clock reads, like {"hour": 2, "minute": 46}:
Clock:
{"hour": 11, "minute": 52}
